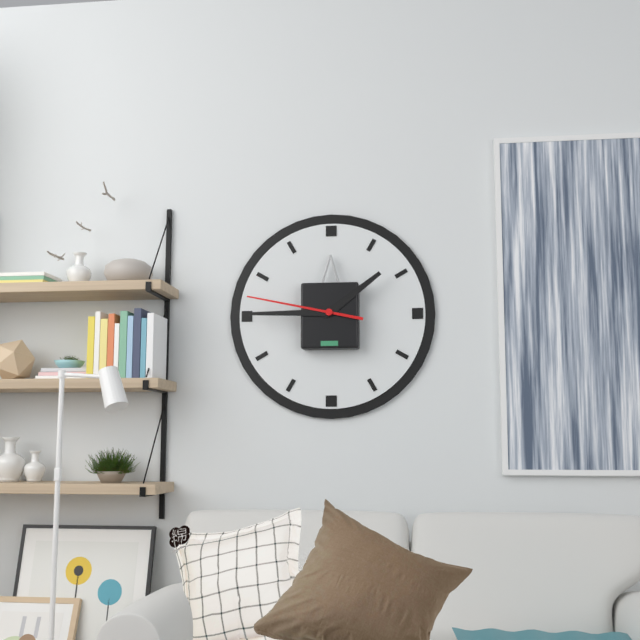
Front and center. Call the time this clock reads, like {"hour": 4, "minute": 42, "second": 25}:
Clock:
{"hour": 1, "minute": 45, "second": 47}
